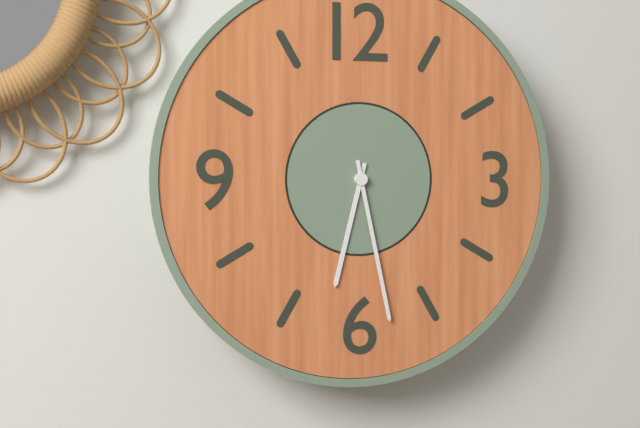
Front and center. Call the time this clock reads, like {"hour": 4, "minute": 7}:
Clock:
{"hour": 6, "minute": 28}
